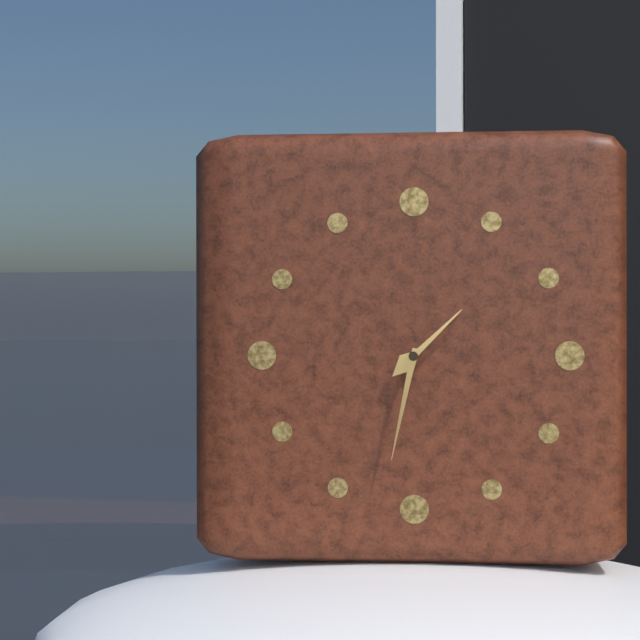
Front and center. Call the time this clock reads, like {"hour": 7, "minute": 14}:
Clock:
{"hour": 1, "minute": 32}
